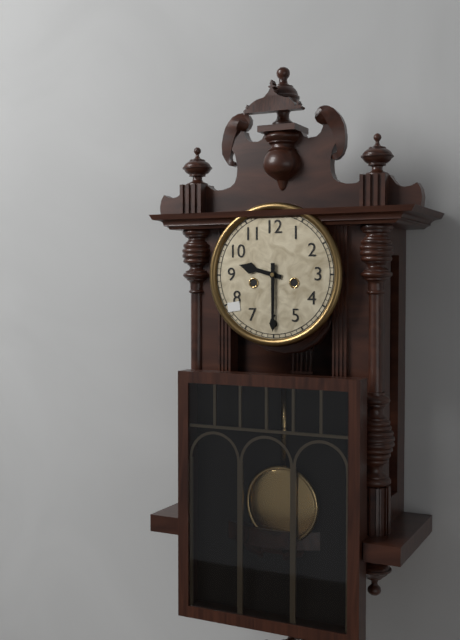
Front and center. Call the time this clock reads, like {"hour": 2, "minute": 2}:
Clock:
{"hour": 9, "minute": 30}
